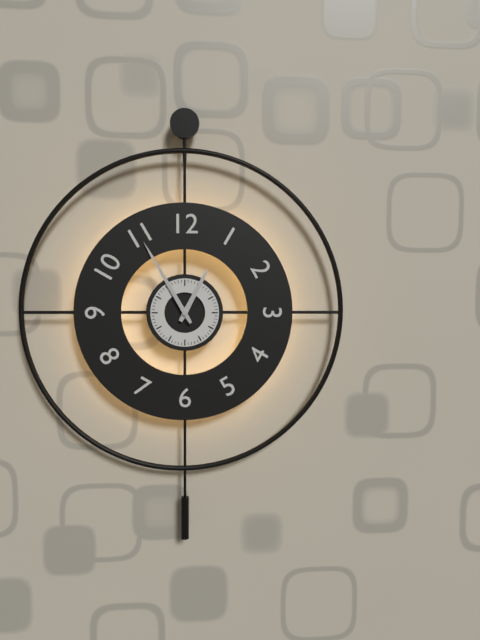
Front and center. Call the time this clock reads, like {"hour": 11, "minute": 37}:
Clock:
{"hour": 12, "minute": 55}
